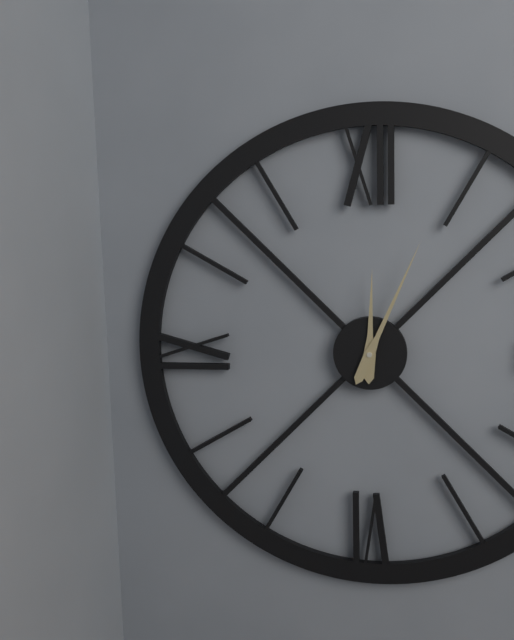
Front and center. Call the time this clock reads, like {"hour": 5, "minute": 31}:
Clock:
{"hour": 12, "minute": 4}
